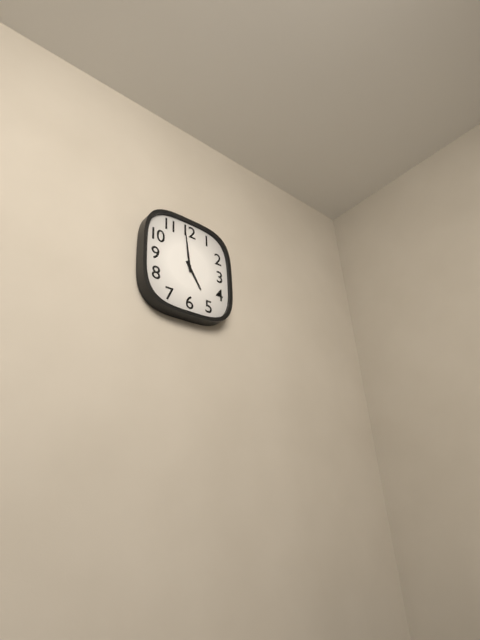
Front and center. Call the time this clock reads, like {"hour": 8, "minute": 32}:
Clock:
{"hour": 4, "minute": 59}
